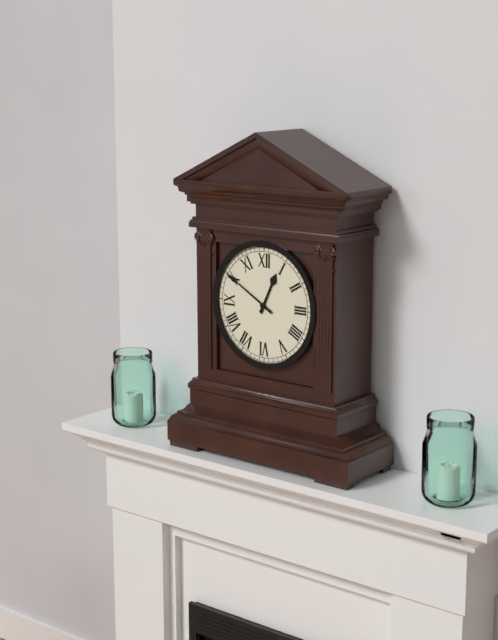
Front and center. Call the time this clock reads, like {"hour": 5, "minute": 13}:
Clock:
{"hour": 12, "minute": 50}
